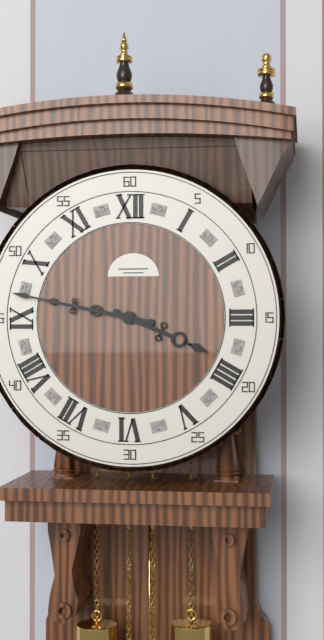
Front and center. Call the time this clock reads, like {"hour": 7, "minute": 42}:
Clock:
{"hour": 3, "minute": 47}
